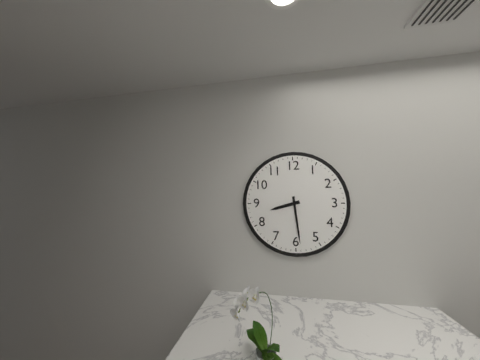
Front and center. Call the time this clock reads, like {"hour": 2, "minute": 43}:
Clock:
{"hour": 8, "minute": 29}
